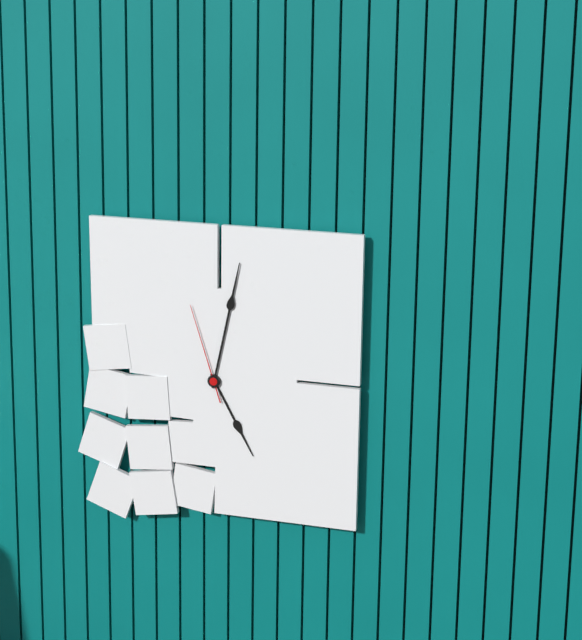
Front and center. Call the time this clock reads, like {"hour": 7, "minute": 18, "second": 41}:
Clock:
{"hour": 5, "minute": 2, "second": 57}
